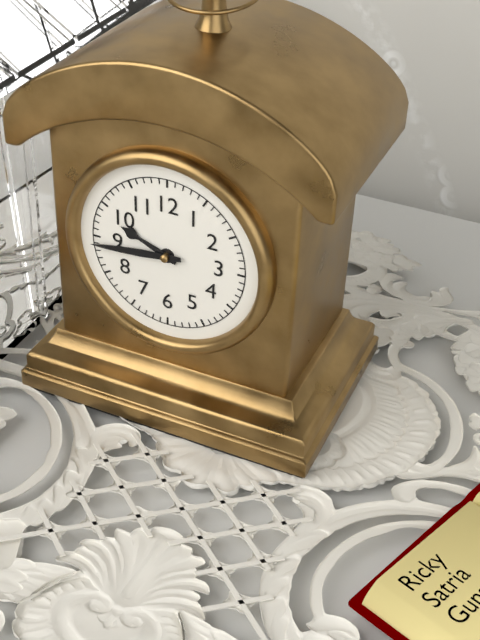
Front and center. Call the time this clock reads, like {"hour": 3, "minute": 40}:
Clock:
{"hour": 9, "minute": 44}
